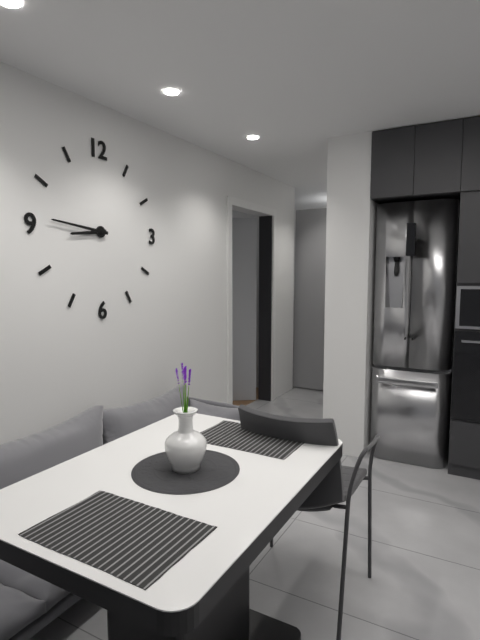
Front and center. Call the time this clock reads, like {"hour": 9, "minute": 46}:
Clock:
{"hour": 8, "minute": 46}
